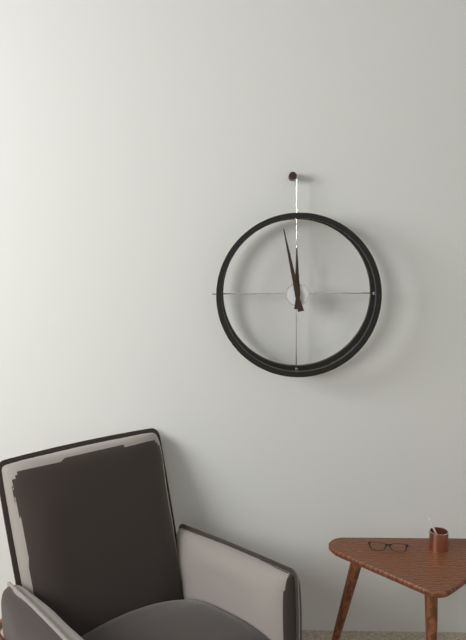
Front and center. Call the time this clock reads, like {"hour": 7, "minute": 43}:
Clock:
{"hour": 11, "minute": 58}
